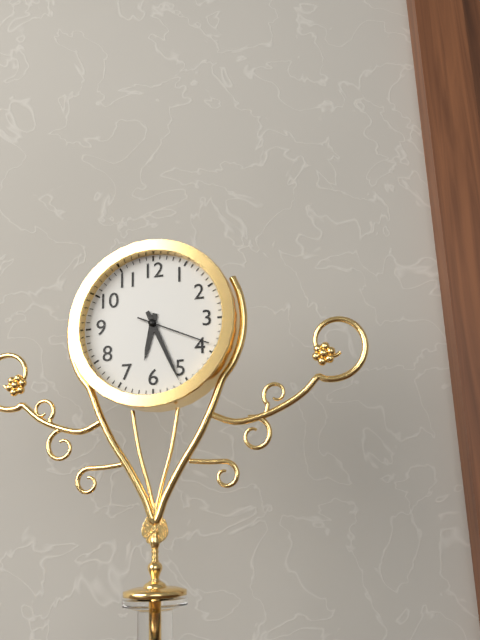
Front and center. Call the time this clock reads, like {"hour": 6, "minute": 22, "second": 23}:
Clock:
{"hour": 6, "minute": 26, "second": 19}
